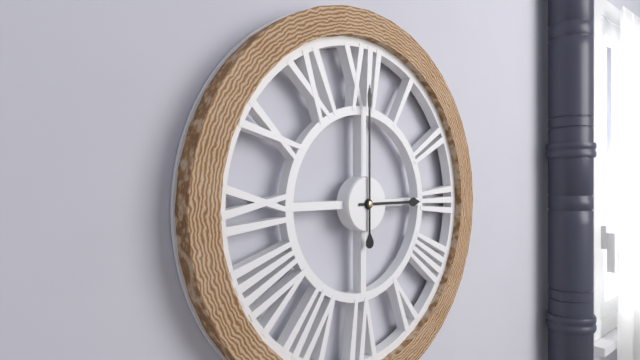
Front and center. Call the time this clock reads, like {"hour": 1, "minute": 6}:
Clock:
{"hour": 3, "minute": 0}
